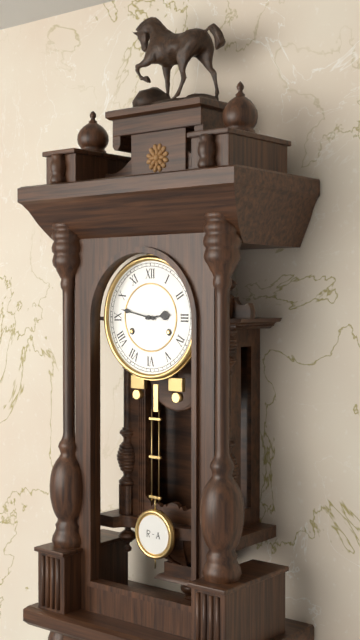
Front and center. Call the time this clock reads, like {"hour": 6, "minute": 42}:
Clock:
{"hour": 2, "minute": 47}
